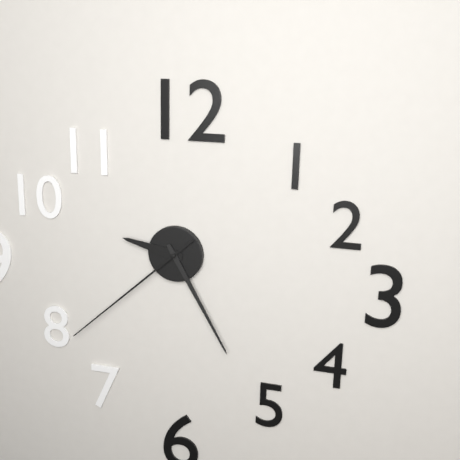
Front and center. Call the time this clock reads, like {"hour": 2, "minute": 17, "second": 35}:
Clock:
{"hour": 9, "minute": 25, "second": 38}
